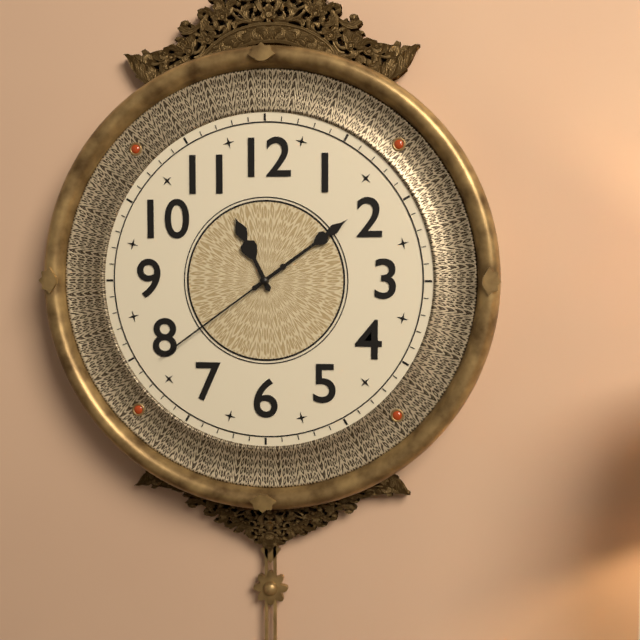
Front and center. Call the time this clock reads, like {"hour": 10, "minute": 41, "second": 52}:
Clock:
{"hour": 11, "minute": 9, "second": 39}
